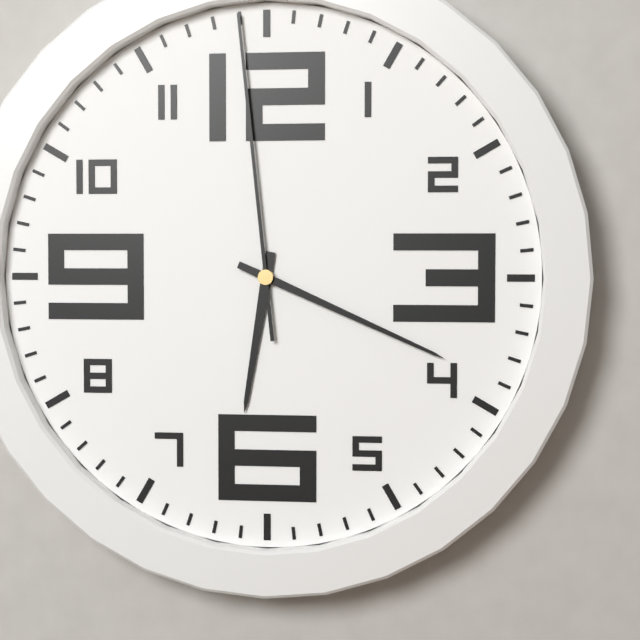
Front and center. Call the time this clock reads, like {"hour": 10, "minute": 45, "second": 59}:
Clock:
{"hour": 6, "minute": 19, "second": 59}
